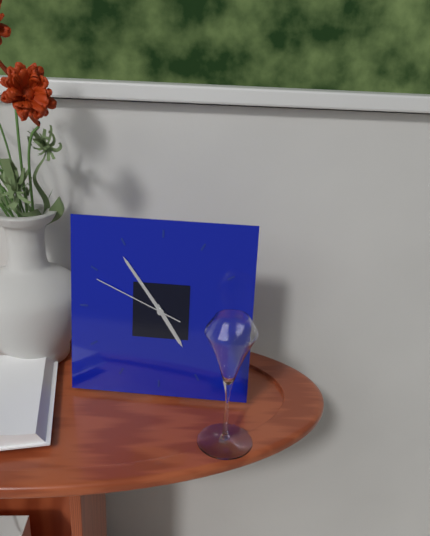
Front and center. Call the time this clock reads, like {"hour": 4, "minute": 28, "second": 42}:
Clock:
{"hour": 4, "minute": 54, "second": 49}
